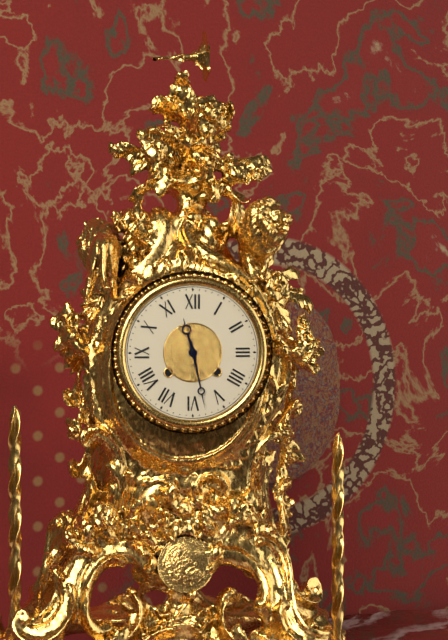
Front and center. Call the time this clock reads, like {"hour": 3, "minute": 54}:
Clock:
{"hour": 11, "minute": 28}
